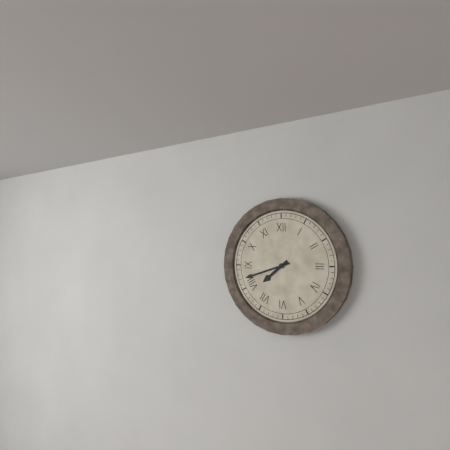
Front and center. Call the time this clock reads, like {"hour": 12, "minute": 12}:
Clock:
{"hour": 7, "minute": 42}
